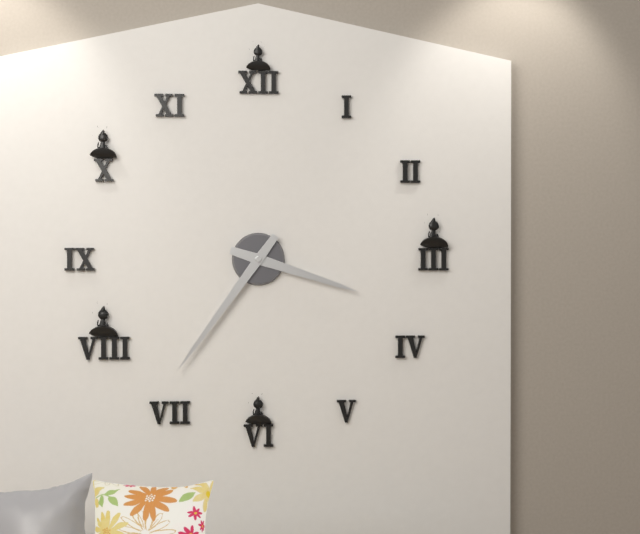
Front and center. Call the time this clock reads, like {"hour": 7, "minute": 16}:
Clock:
{"hour": 3, "minute": 36}
